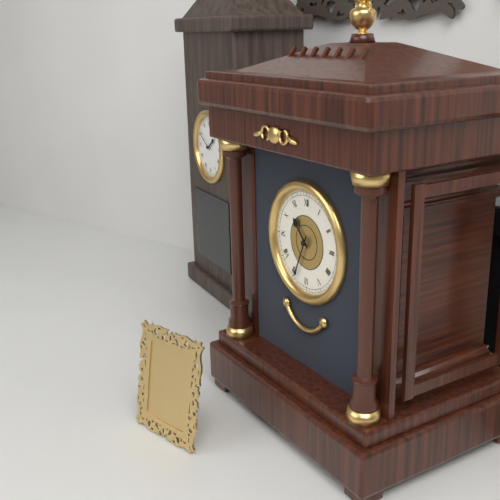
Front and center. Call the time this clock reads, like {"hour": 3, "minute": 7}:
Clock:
{"hour": 10, "minute": 34}
